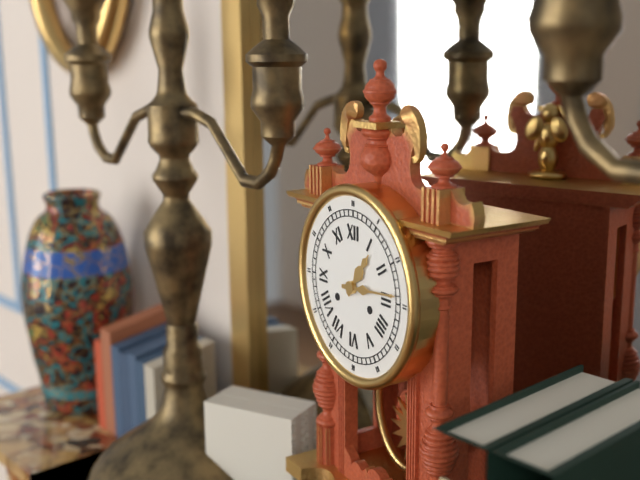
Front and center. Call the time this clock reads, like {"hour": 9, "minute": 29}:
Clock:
{"hour": 1, "minute": 14}
